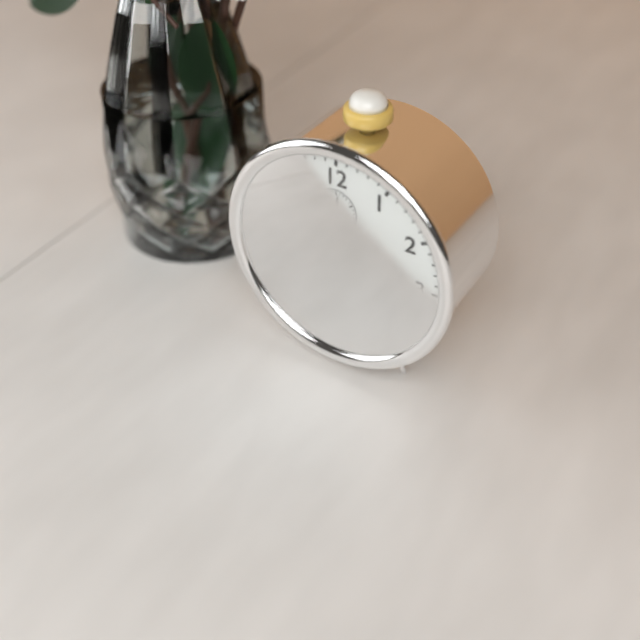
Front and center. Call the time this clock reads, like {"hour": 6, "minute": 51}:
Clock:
{"hour": 2, "minute": 27}
